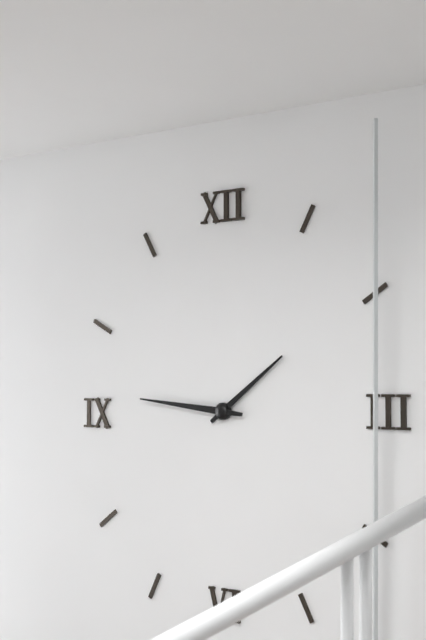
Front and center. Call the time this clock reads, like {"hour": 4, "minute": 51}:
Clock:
{"hour": 1, "minute": 46}
